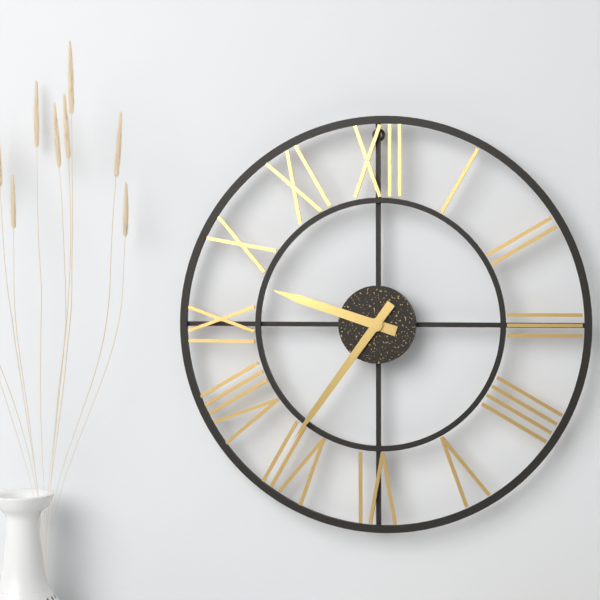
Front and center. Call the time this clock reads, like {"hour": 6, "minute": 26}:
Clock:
{"hour": 9, "minute": 36}
